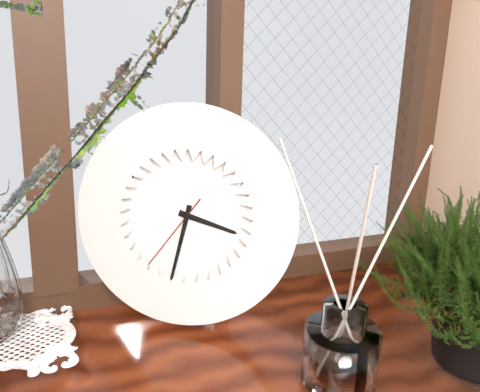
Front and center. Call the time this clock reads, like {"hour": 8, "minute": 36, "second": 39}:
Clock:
{"hour": 3, "minute": 32, "second": 36}
